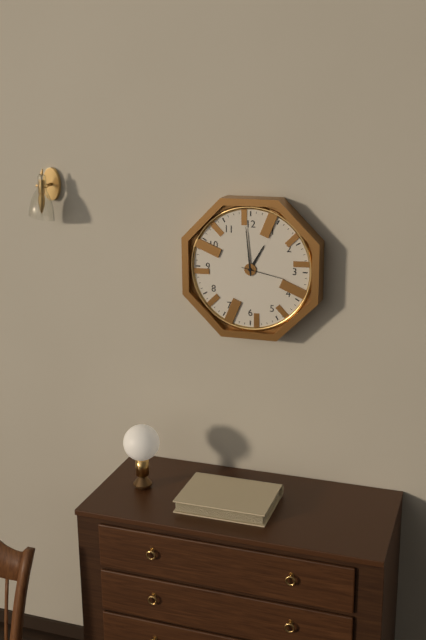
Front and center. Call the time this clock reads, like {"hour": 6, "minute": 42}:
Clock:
{"hour": 12, "minute": 59}
